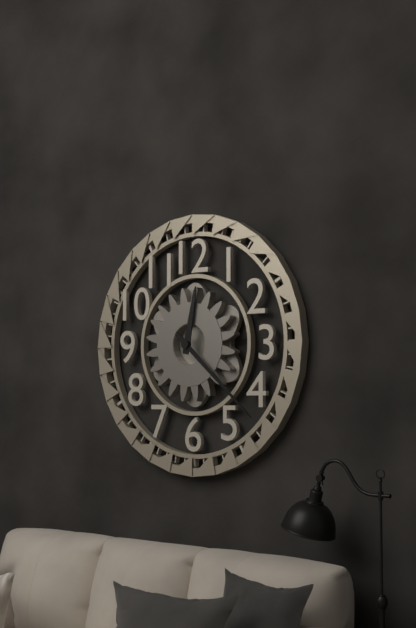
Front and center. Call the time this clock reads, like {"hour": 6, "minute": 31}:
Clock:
{"hour": 12, "minute": 22}
